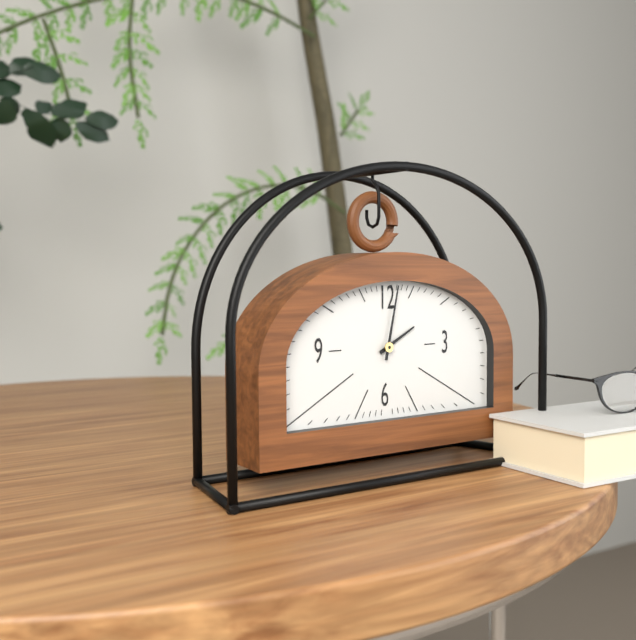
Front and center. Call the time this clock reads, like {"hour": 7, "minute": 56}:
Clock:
{"hour": 2, "minute": 2}
